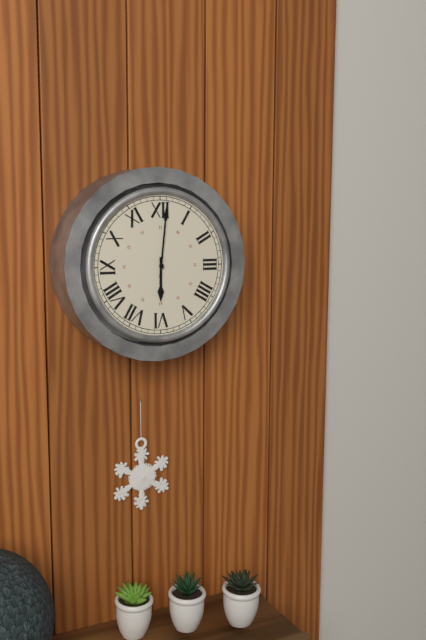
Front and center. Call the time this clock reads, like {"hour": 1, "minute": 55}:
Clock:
{"hour": 6, "minute": 1}
